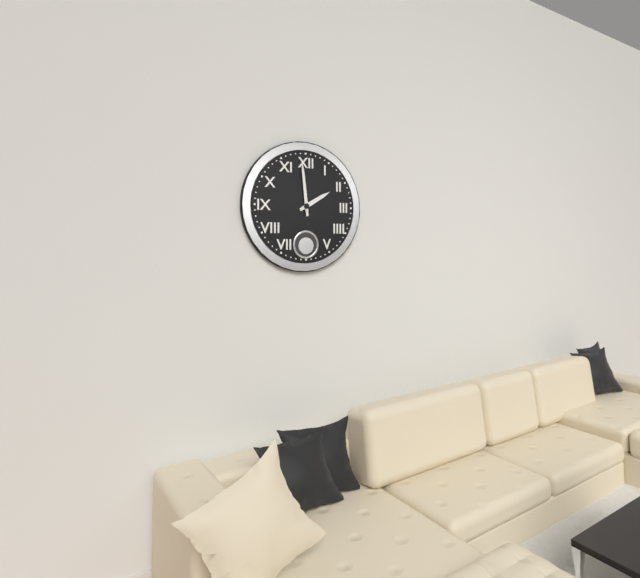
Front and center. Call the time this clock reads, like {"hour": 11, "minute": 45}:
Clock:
{"hour": 1, "minute": 59}
